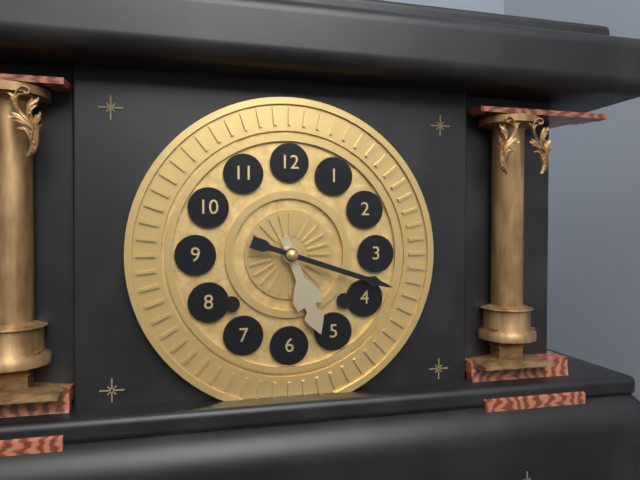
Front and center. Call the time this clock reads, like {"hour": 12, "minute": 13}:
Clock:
{"hour": 5, "minute": 18}
